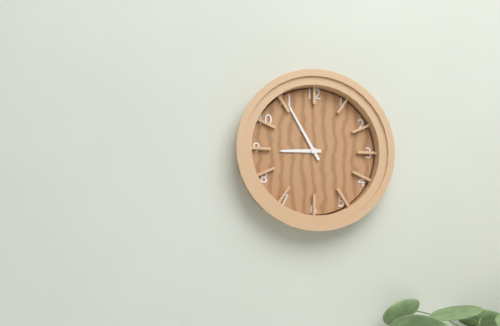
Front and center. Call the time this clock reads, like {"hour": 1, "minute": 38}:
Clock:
{"hour": 8, "minute": 55}
